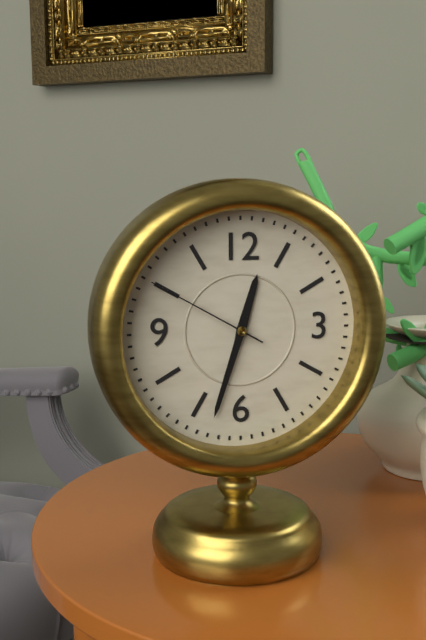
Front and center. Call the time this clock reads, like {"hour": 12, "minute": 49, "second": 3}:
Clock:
{"hour": 12, "minute": 33, "second": 50}
